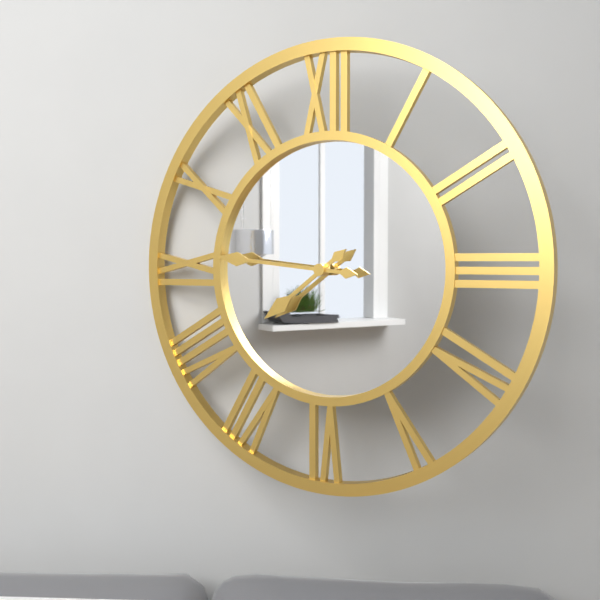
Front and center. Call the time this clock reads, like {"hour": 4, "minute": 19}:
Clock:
{"hour": 7, "minute": 46}
